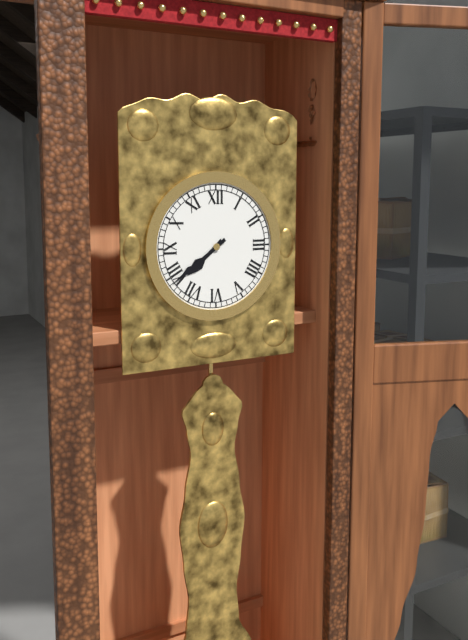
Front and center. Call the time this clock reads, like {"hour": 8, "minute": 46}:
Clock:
{"hour": 7, "minute": 39}
